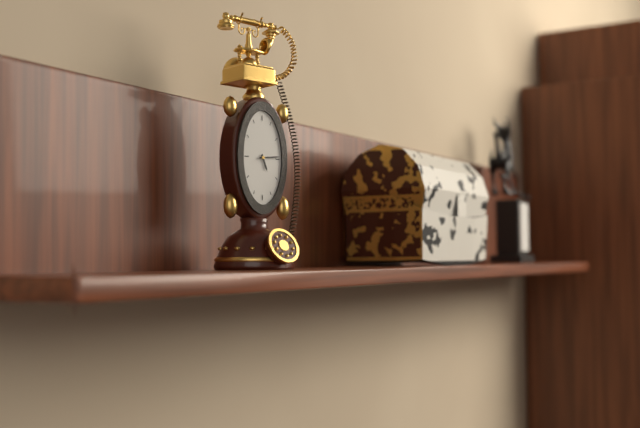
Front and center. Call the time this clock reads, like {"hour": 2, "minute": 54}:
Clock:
{"hour": 5, "minute": 14}
